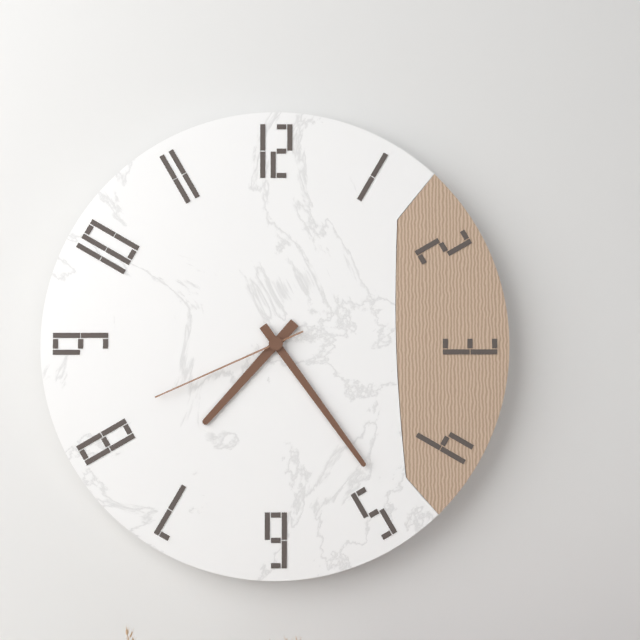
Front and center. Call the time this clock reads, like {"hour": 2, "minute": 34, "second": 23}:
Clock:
{"hour": 7, "minute": 24, "second": 41}
